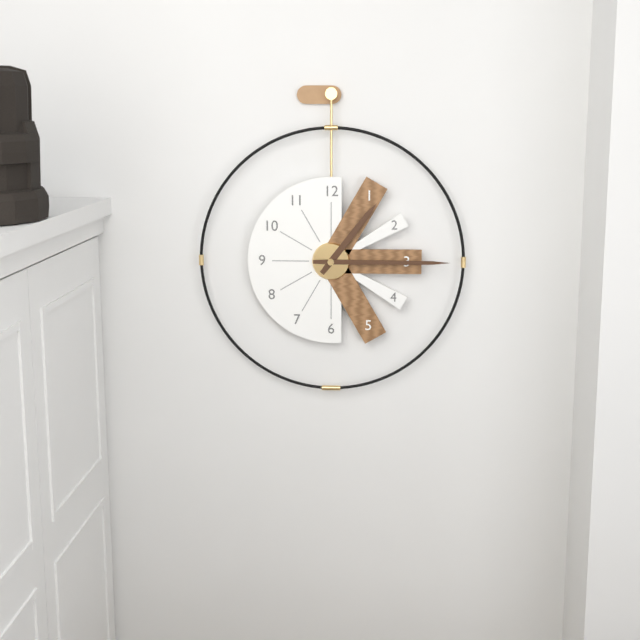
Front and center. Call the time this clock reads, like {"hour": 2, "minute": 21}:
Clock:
{"hour": 1, "minute": 15}
